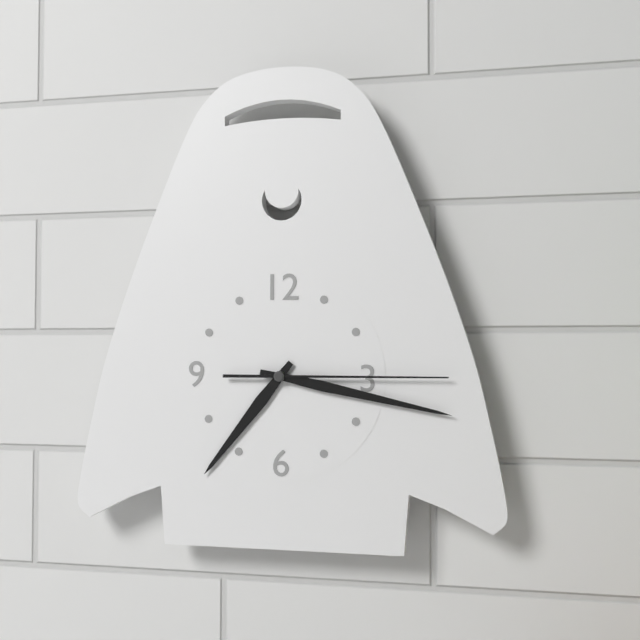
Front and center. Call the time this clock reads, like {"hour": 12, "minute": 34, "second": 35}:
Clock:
{"hour": 7, "minute": 17, "second": 15}
